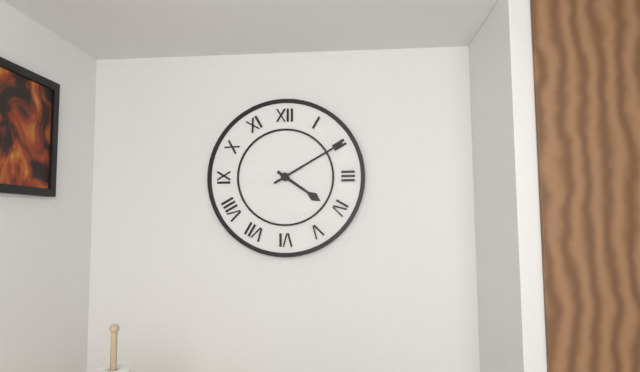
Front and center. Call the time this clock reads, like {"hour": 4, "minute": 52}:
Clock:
{"hour": 4, "minute": 10}
